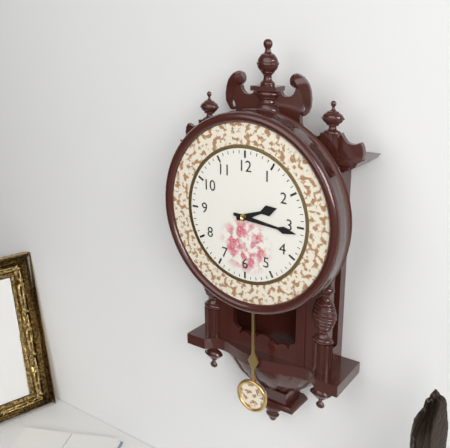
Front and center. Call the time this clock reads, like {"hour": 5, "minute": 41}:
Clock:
{"hour": 2, "minute": 16}
